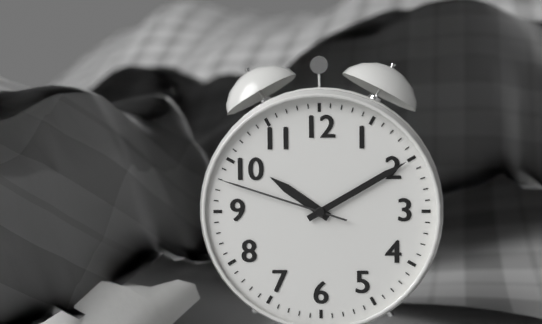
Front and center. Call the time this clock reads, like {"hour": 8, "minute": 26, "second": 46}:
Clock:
{"hour": 10, "minute": 10, "second": 48}
